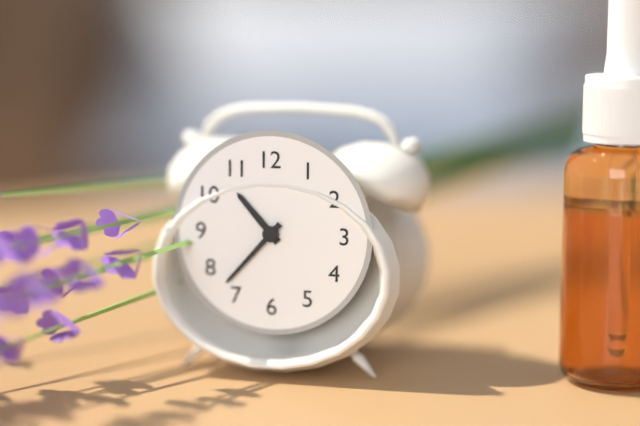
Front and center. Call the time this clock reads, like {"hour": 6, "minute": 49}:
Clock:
{"hour": 10, "minute": 37}
